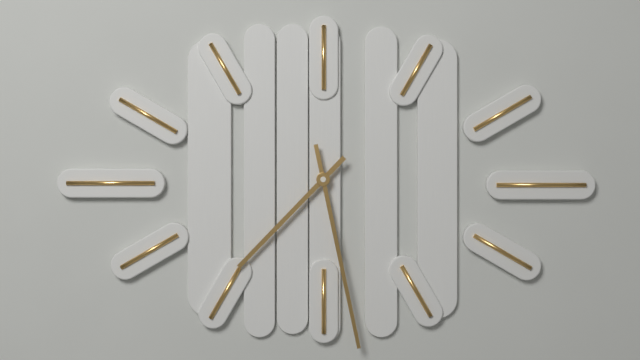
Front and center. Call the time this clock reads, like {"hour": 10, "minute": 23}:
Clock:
{"hour": 7, "minute": 28}
